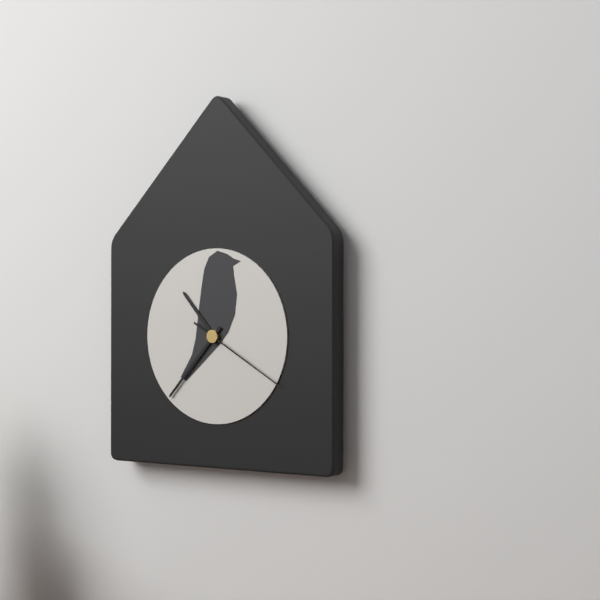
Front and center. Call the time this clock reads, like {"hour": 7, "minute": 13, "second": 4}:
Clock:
{"hour": 10, "minute": 37, "second": 20}
